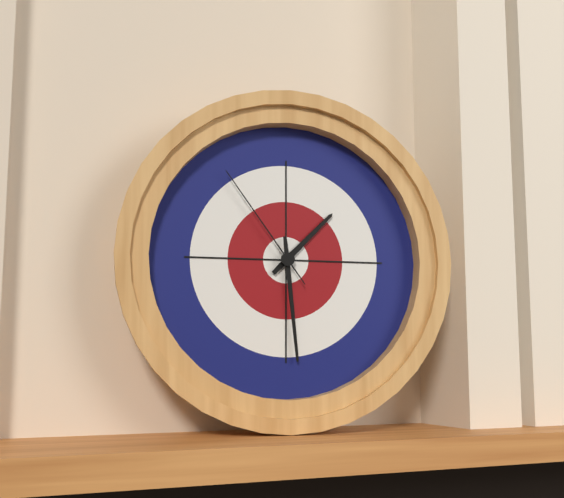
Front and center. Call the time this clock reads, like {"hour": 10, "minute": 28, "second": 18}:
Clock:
{"hour": 1, "minute": 29, "second": 54}
